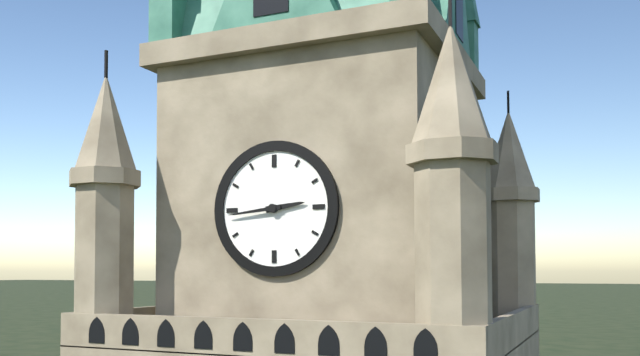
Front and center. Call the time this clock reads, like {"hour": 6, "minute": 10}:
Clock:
{"hour": 2, "minute": 44}
